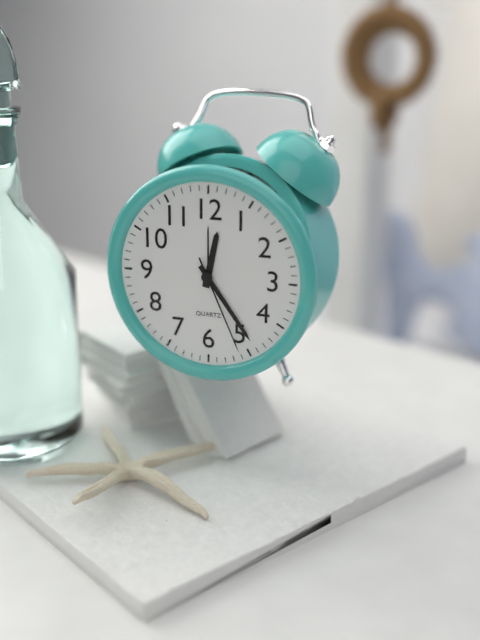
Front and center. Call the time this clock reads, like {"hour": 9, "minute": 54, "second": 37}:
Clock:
{"hour": 12, "minute": 24, "second": 26}
